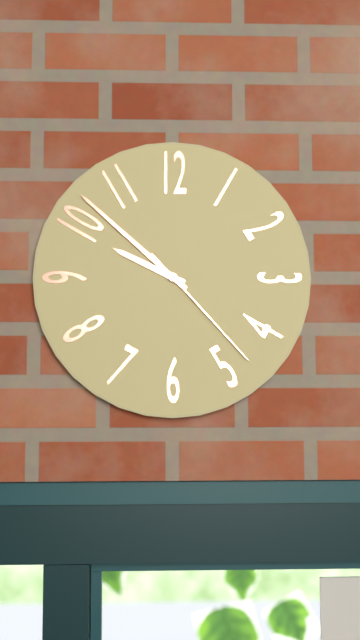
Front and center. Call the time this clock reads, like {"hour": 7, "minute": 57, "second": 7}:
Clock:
{"hour": 9, "minute": 52, "second": 23}
